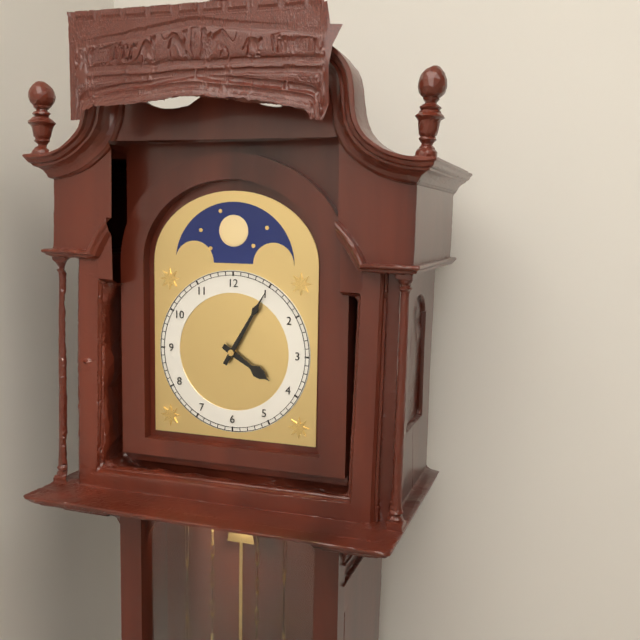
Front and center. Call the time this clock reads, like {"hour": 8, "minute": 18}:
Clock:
{"hour": 4, "minute": 5}
